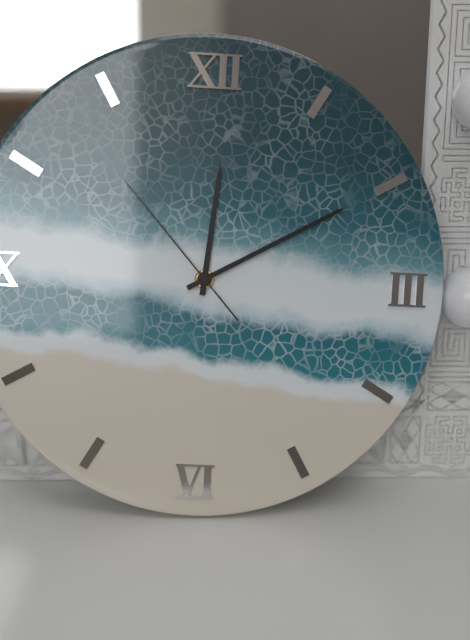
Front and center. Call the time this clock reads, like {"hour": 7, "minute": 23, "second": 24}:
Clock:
{"hour": 12, "minute": 10, "second": 53}
